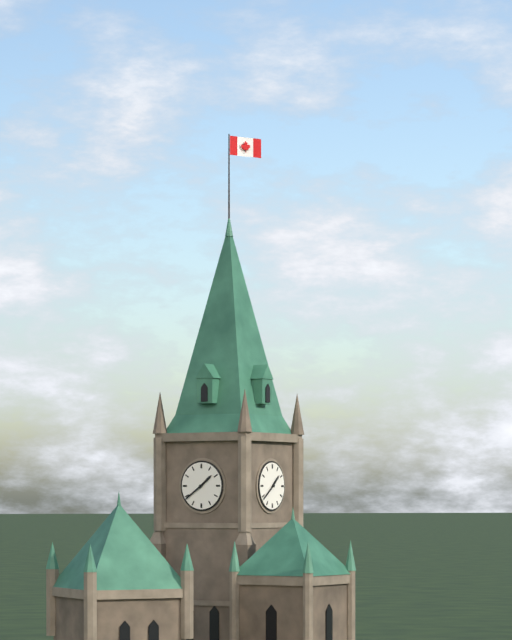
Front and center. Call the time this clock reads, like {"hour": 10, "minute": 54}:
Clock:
{"hour": 1, "minute": 39}
